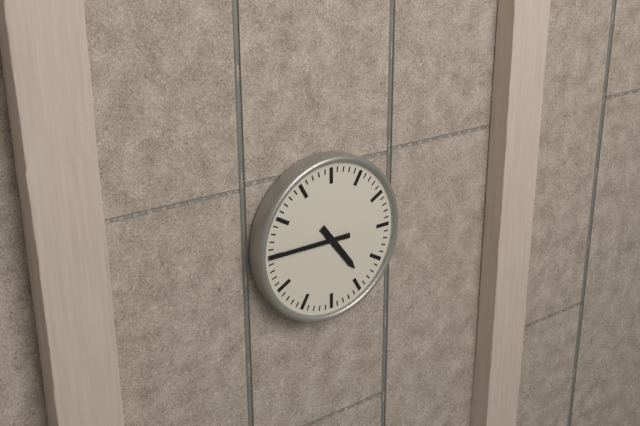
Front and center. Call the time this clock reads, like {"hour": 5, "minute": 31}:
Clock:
{"hour": 4, "minute": 45}
